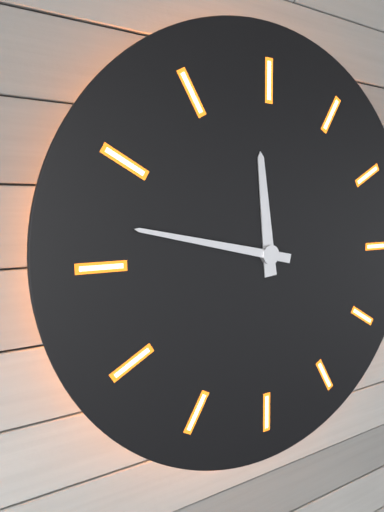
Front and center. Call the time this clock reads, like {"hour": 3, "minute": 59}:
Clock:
{"hour": 11, "minute": 47}
